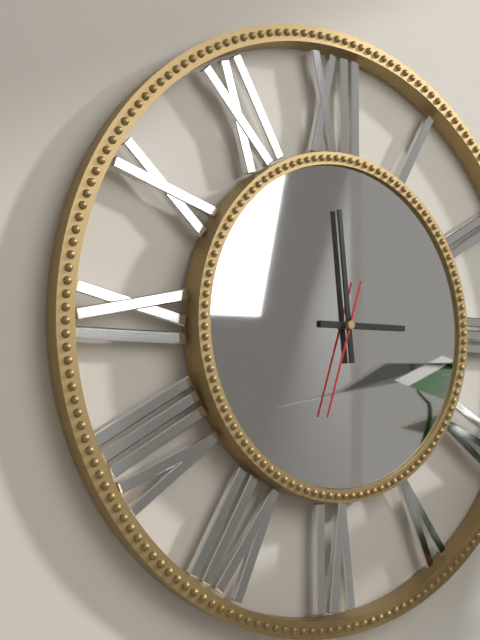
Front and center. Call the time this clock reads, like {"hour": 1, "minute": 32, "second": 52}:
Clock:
{"hour": 2, "minute": 59, "second": 33}
